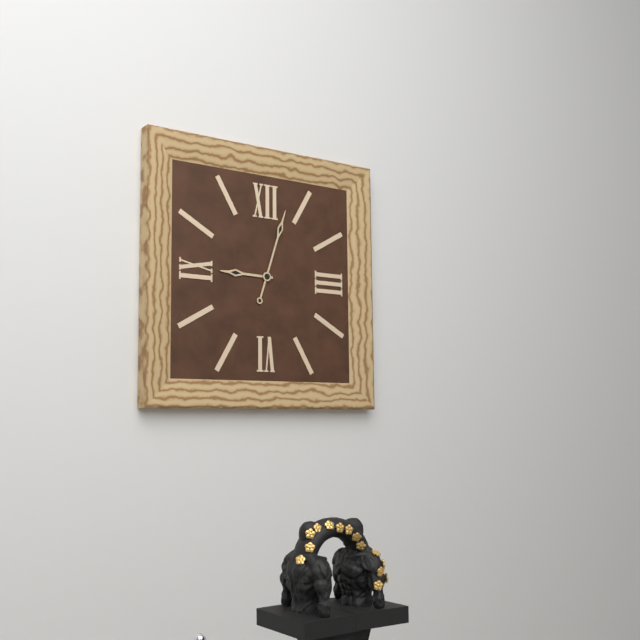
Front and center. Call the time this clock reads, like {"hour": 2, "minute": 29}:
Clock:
{"hour": 9, "minute": 3}
